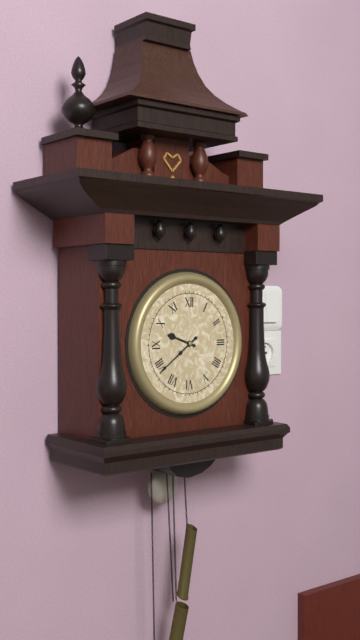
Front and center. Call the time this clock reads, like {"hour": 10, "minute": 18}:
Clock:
{"hour": 9, "minute": 39}
